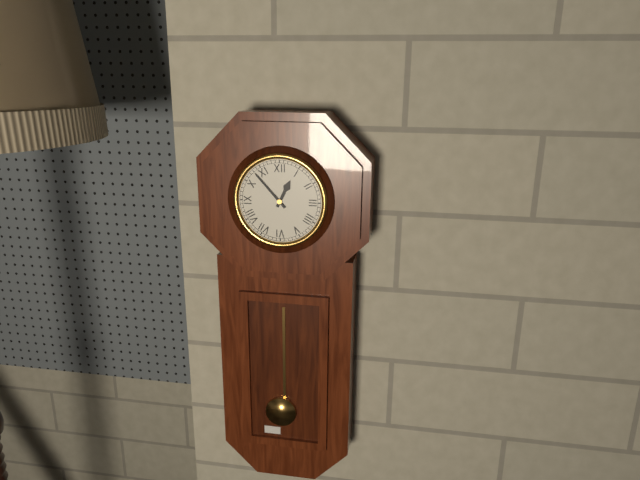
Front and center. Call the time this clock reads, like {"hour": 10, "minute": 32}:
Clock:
{"hour": 12, "minute": 53}
